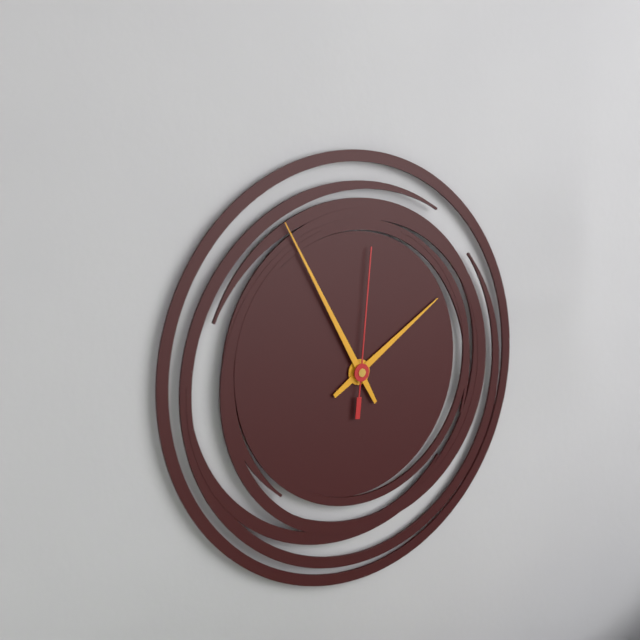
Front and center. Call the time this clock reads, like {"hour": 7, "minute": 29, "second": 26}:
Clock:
{"hour": 1, "minute": 55, "second": 1}
